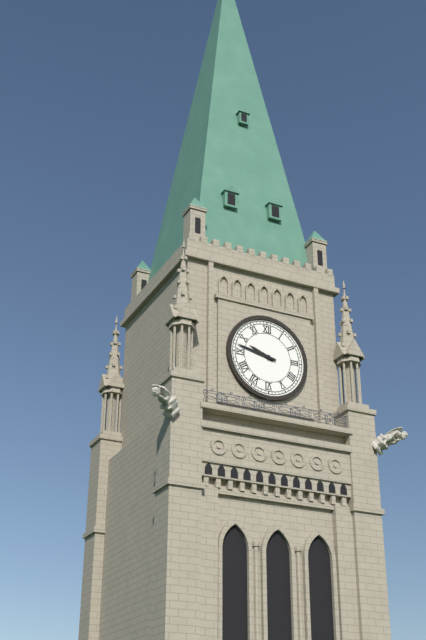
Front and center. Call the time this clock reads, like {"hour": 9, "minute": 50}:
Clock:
{"hour": 9, "minute": 47}
